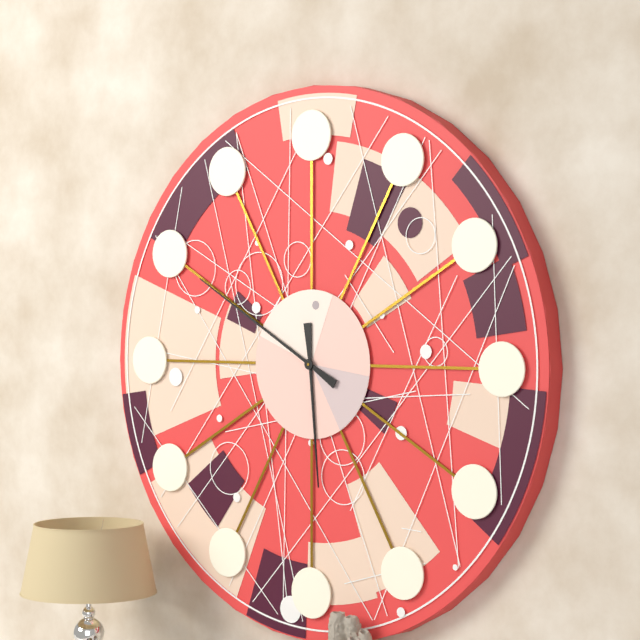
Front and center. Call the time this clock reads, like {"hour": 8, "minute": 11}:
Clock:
{"hour": 5, "minute": 50}
